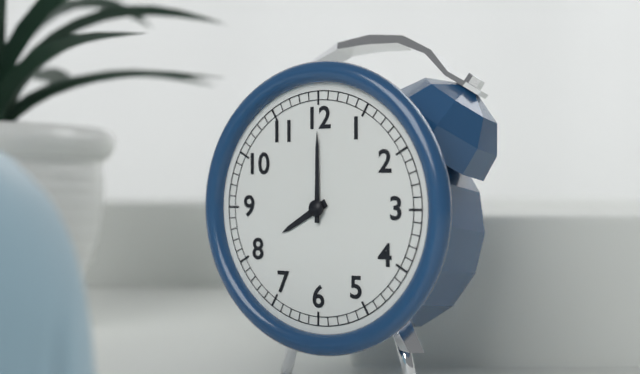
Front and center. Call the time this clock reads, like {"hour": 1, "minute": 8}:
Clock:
{"hour": 8, "minute": 0}
